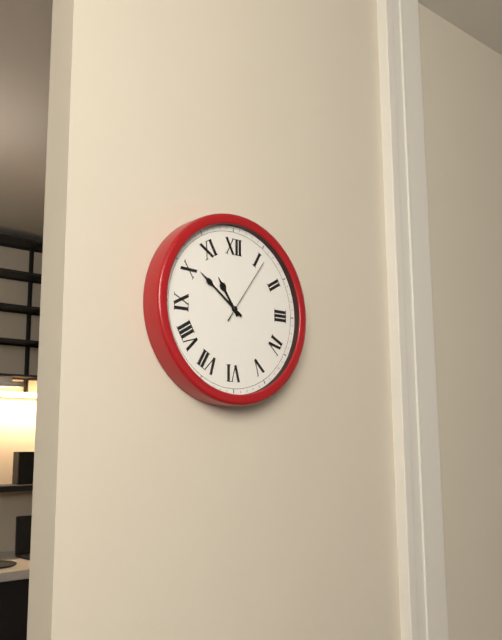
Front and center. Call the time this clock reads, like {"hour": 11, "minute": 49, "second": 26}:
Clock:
{"hour": 10, "minute": 51, "second": 6}
